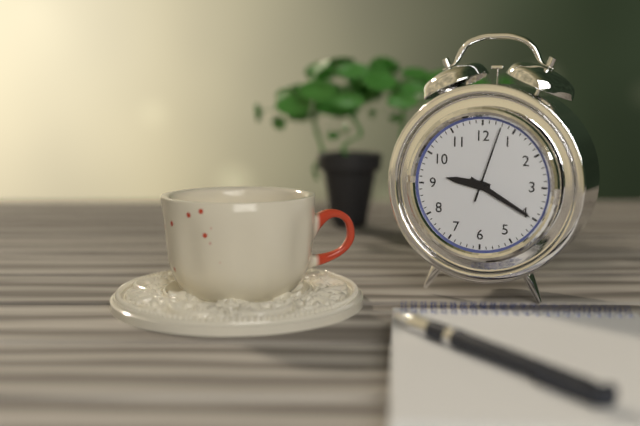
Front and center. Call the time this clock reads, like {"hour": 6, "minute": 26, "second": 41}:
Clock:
{"hour": 9, "minute": 20, "second": 3}
